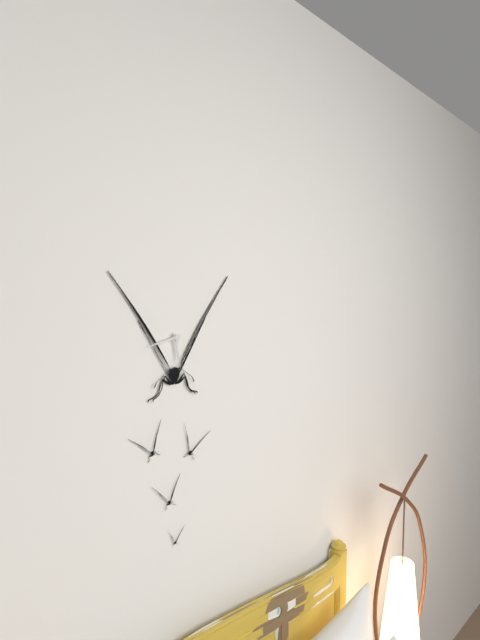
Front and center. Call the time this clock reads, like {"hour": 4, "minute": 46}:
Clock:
{"hour": 5, "minute": 43}
